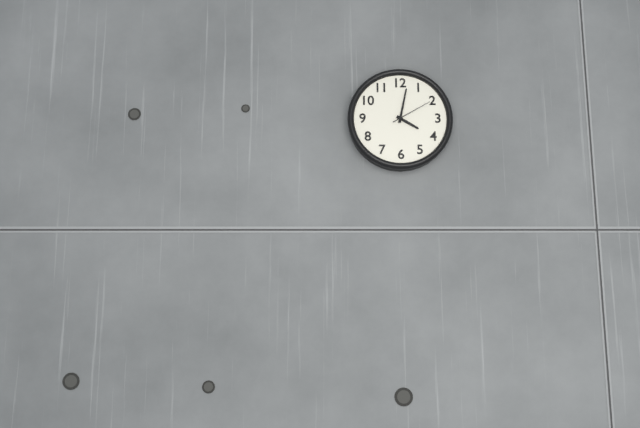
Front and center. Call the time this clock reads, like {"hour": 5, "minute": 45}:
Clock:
{"hour": 4, "minute": 2}
